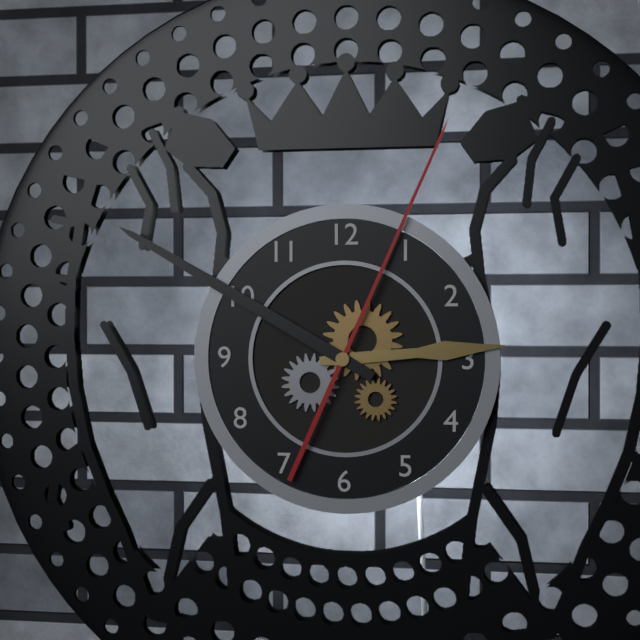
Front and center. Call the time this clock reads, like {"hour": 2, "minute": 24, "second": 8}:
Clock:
{"hour": 2, "minute": 50, "second": 4}
